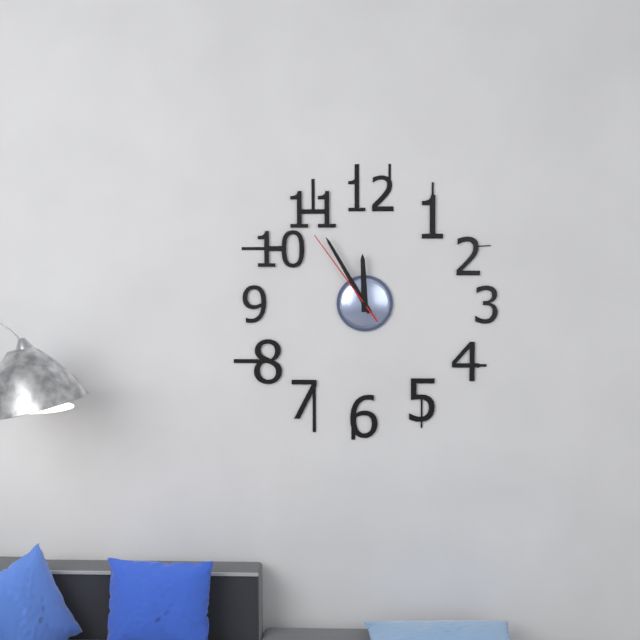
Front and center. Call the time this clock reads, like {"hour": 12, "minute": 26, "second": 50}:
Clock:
{"hour": 11, "minute": 55, "second": 54}
